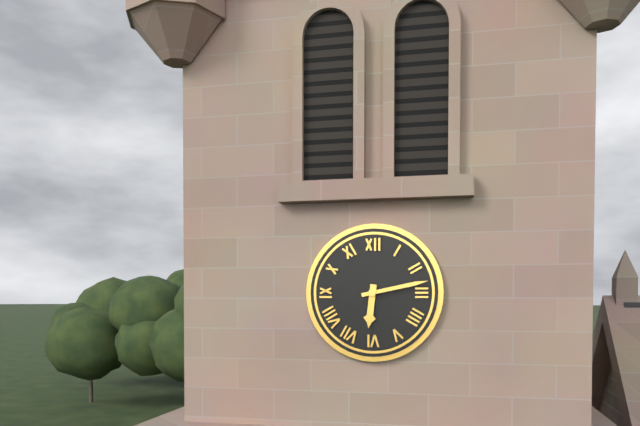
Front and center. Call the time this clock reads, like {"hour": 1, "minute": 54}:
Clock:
{"hour": 6, "minute": 13}
